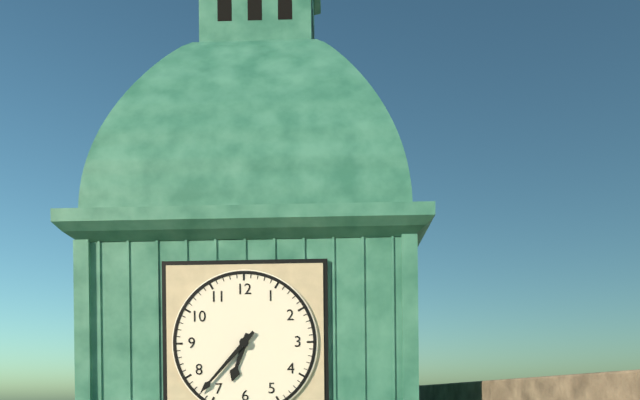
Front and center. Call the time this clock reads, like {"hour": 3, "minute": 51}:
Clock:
{"hour": 6, "minute": 37}
